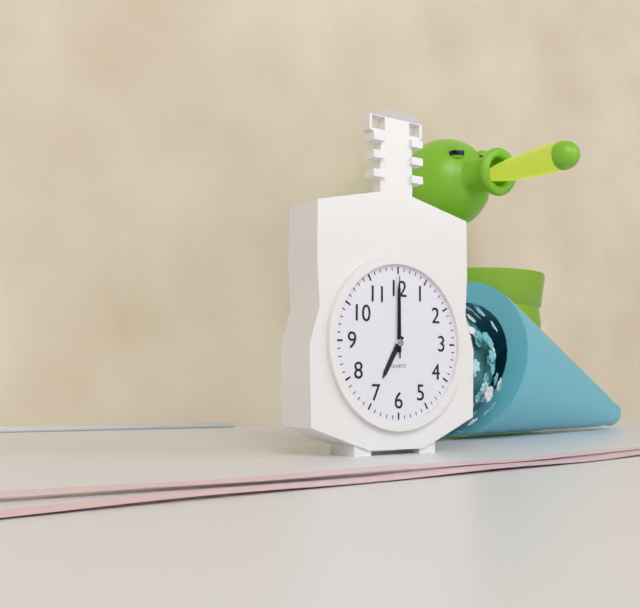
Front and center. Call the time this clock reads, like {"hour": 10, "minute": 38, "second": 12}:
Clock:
{"hour": 7, "minute": 0, "second": 0}
